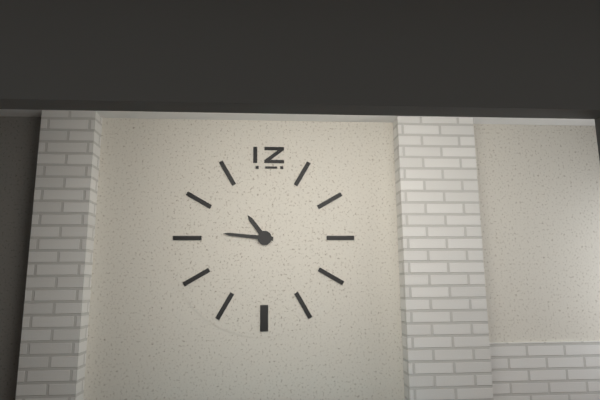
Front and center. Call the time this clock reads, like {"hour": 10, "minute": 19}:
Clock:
{"hour": 10, "minute": 46}
